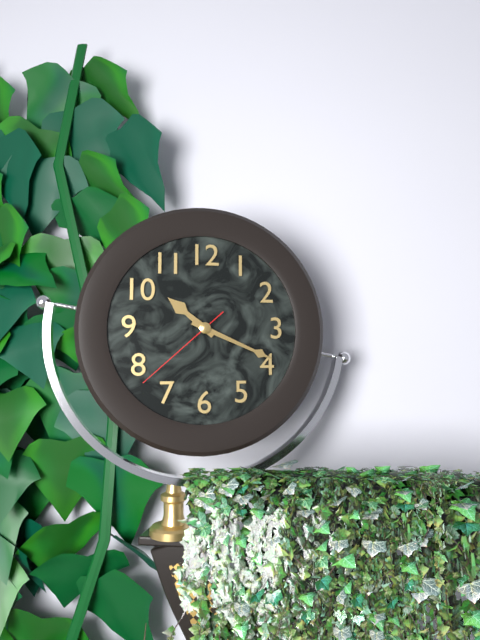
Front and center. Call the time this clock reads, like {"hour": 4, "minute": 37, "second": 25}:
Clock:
{"hour": 10, "minute": 19, "second": 38}
